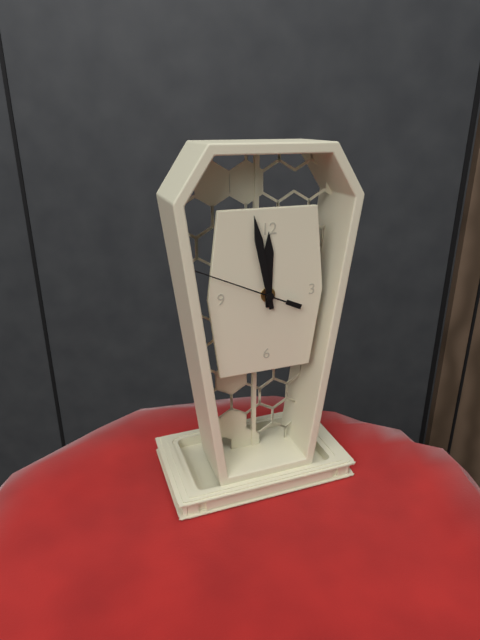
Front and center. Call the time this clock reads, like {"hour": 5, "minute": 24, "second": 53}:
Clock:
{"hour": 11, "minute": 58, "second": 49}
